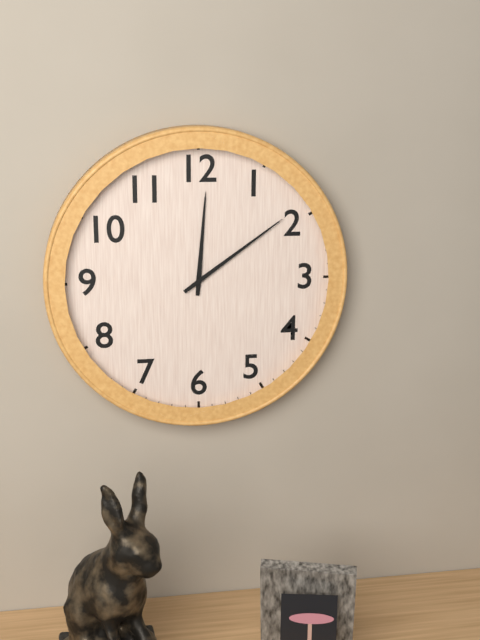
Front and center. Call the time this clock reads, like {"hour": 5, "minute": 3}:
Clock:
{"hour": 12, "minute": 9}
